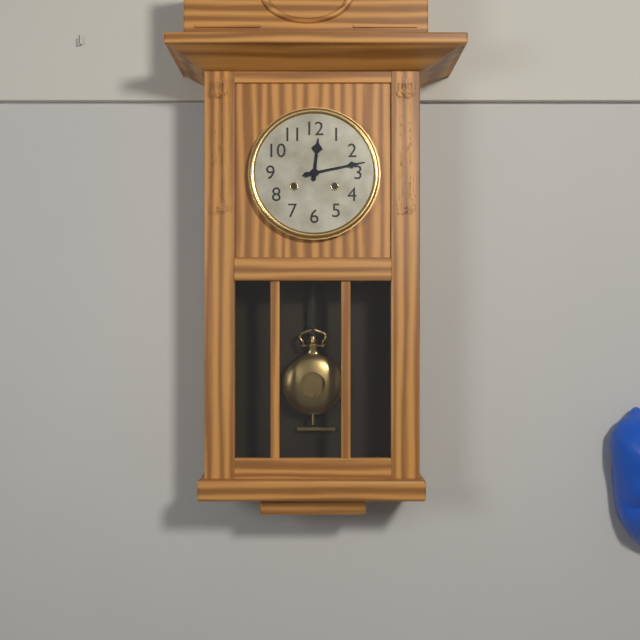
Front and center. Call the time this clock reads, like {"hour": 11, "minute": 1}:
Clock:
{"hour": 12, "minute": 13}
